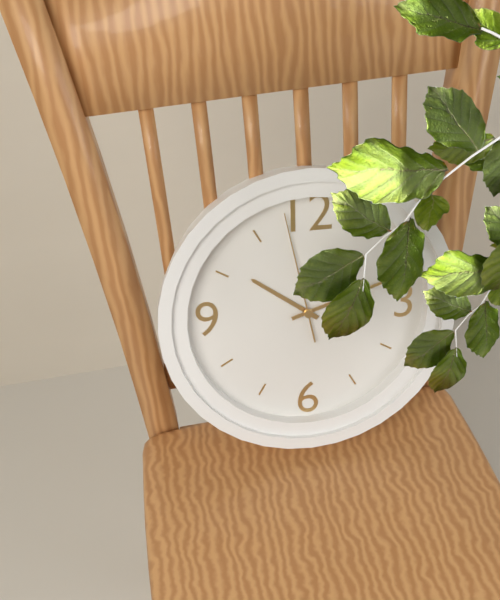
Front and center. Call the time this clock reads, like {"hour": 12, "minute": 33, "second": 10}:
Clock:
{"hour": 10, "minute": 12, "second": 58}
